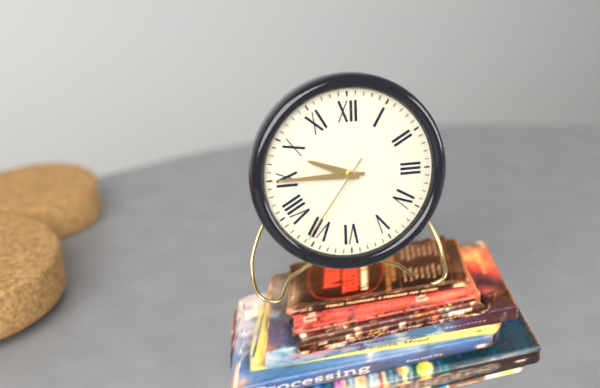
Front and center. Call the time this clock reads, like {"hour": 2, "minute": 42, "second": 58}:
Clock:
{"hour": 9, "minute": 45, "second": 36}
